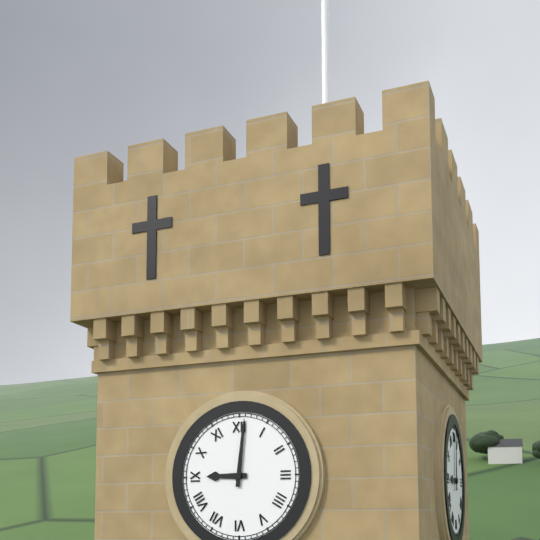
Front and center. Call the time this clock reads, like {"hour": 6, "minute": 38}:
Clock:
{"hour": 9, "minute": 1}
